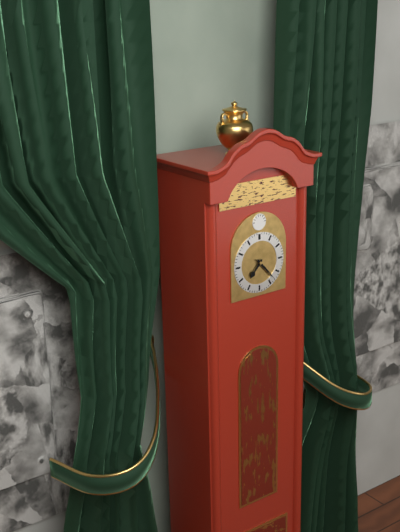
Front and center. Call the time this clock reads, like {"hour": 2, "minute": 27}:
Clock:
{"hour": 7, "minute": 23}
